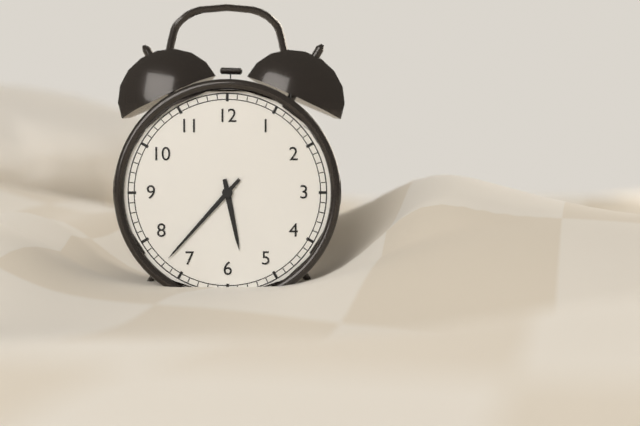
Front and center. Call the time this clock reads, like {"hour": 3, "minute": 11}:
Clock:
{"hour": 5, "minute": 37}
